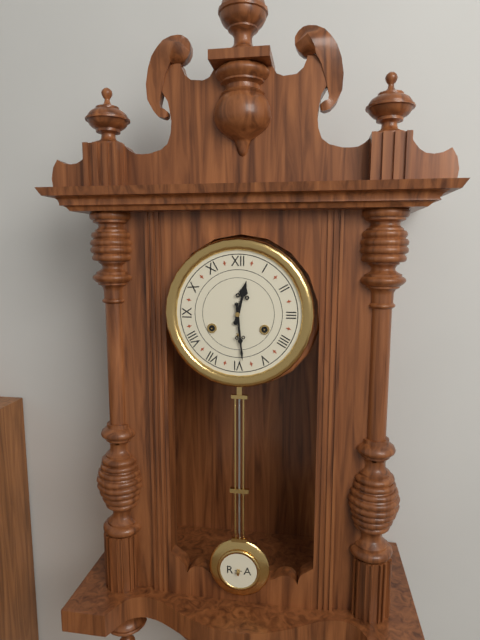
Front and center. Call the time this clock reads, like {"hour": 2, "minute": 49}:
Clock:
{"hour": 12, "minute": 29}
